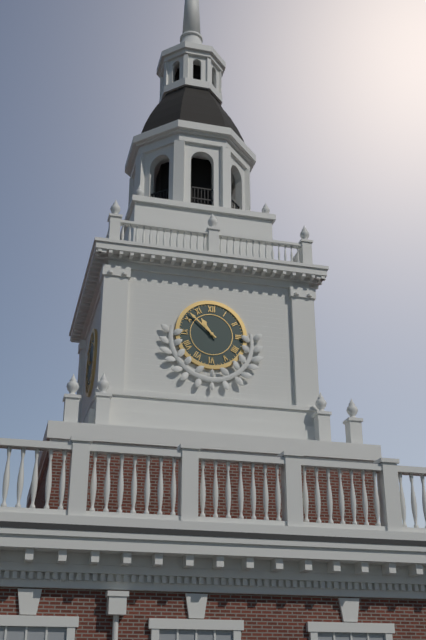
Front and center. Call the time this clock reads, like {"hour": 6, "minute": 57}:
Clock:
{"hour": 10, "minute": 52}
